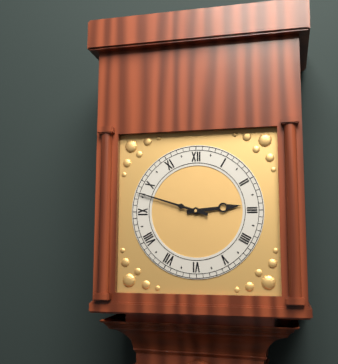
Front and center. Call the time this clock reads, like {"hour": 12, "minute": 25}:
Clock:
{"hour": 2, "minute": 48}
